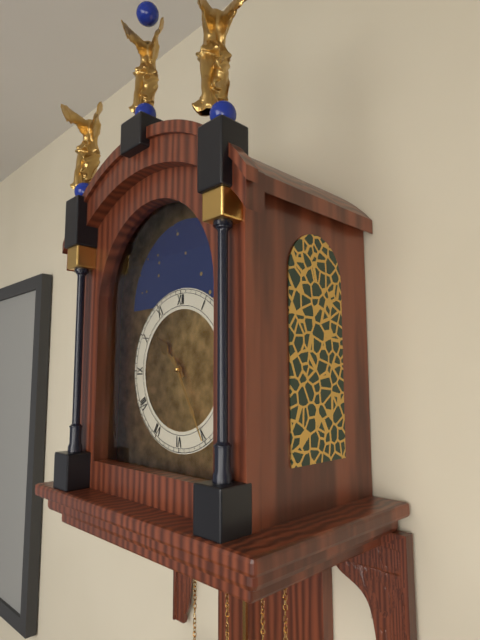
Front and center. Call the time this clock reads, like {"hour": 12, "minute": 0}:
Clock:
{"hour": 10, "minute": 25}
